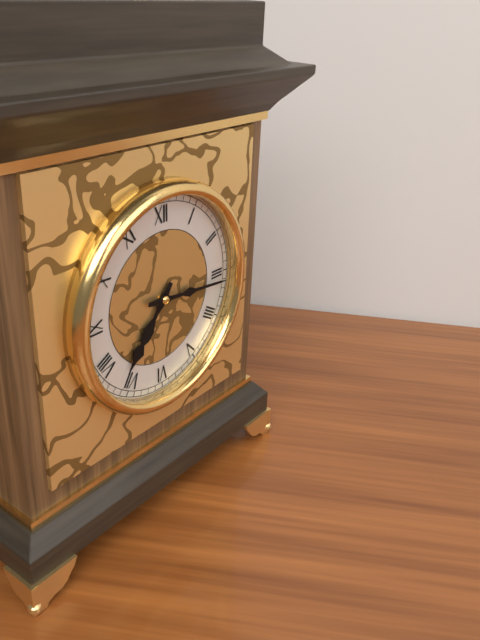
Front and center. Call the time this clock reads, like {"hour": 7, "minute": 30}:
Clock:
{"hour": 7, "minute": 16}
